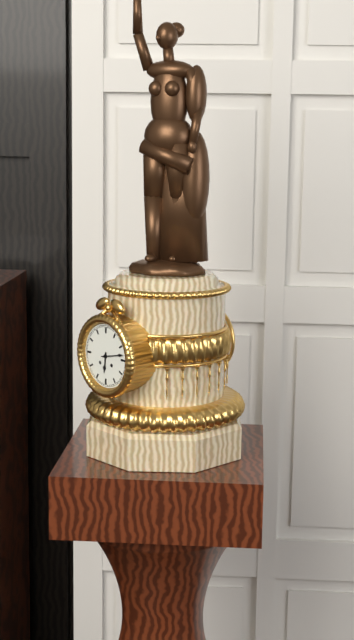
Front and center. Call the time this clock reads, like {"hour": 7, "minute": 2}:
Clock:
{"hour": 6, "minute": 13}
